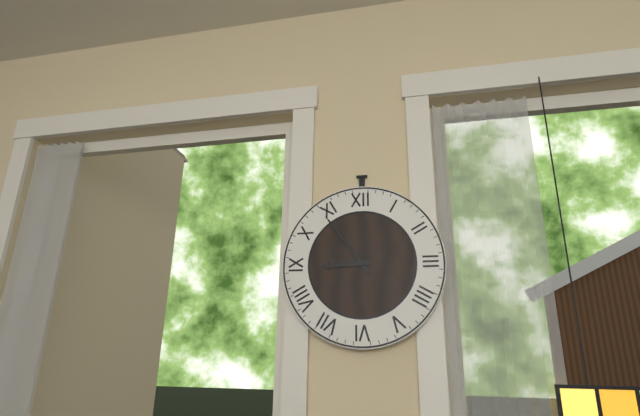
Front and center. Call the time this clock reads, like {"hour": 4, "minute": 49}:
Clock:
{"hour": 8, "minute": 54}
